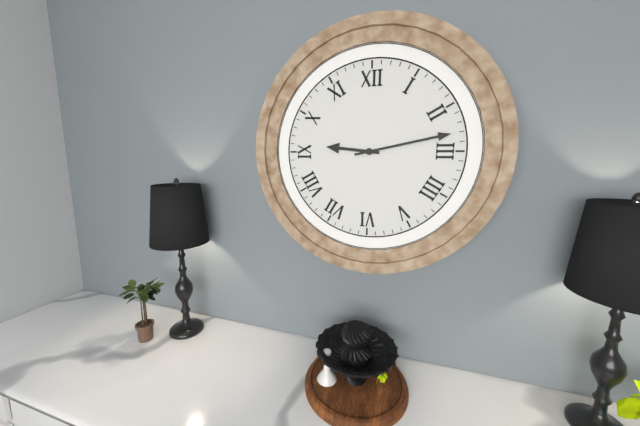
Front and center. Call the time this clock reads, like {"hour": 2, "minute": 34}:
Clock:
{"hour": 9, "minute": 13}
